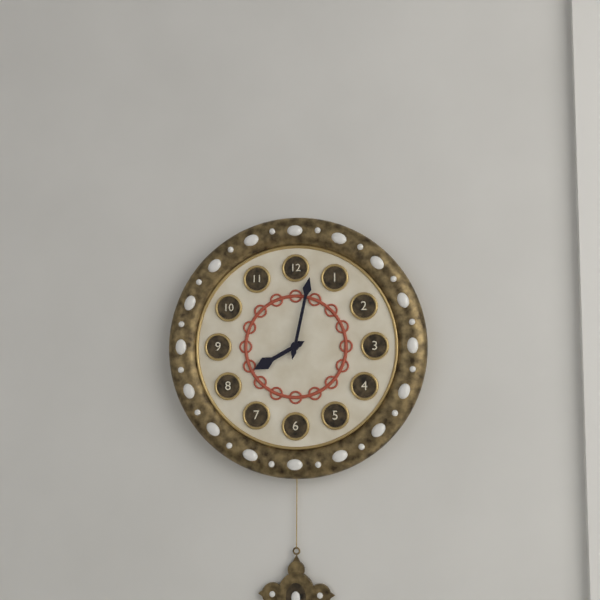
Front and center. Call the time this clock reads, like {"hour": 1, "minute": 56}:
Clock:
{"hour": 8, "minute": 2}
